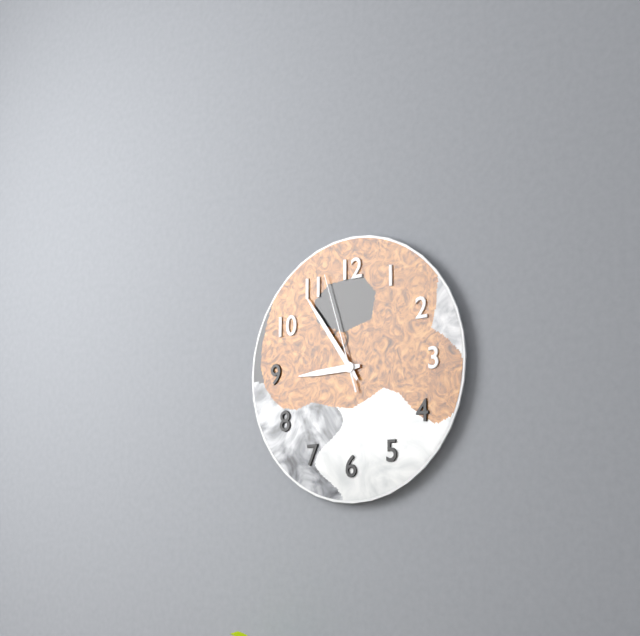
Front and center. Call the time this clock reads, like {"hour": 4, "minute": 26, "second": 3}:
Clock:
{"hour": 8, "minute": 54, "second": 57}
